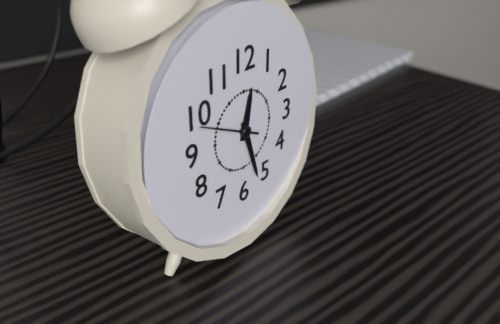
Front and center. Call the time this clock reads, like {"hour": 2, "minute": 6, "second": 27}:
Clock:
{"hour": 12, "minute": 27, "second": 49}
